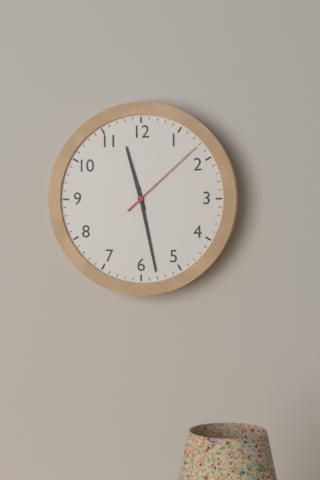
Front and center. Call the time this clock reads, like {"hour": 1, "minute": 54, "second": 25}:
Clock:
{"hour": 11, "minute": 28, "second": 8}
